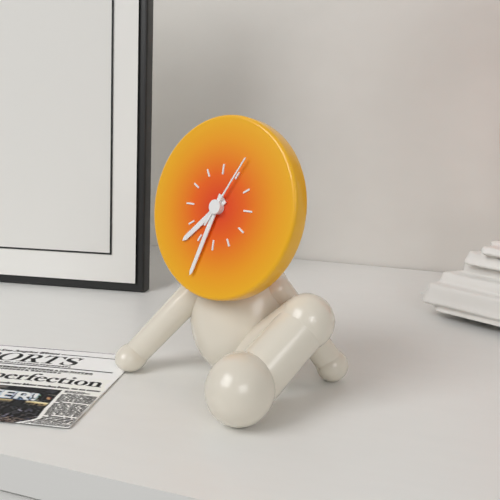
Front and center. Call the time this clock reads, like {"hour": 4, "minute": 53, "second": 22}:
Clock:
{"hour": 7, "minute": 33, "second": 5}
